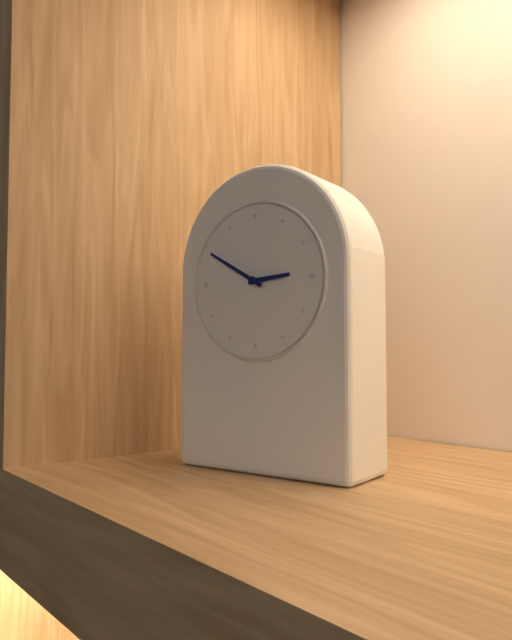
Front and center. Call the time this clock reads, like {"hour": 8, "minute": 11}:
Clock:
{"hour": 2, "minute": 50}
